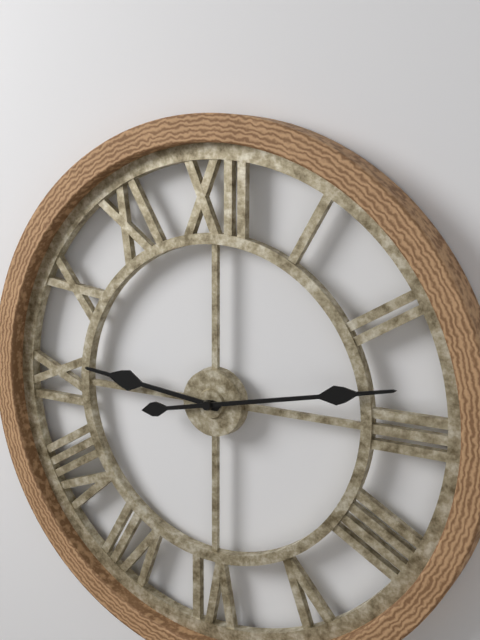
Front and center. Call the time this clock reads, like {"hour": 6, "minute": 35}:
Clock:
{"hour": 9, "minute": 13}
